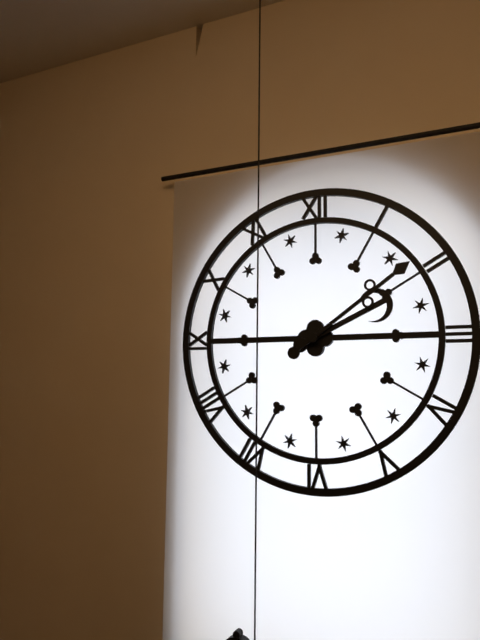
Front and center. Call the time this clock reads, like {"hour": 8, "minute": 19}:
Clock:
{"hour": 2, "minute": 9}
